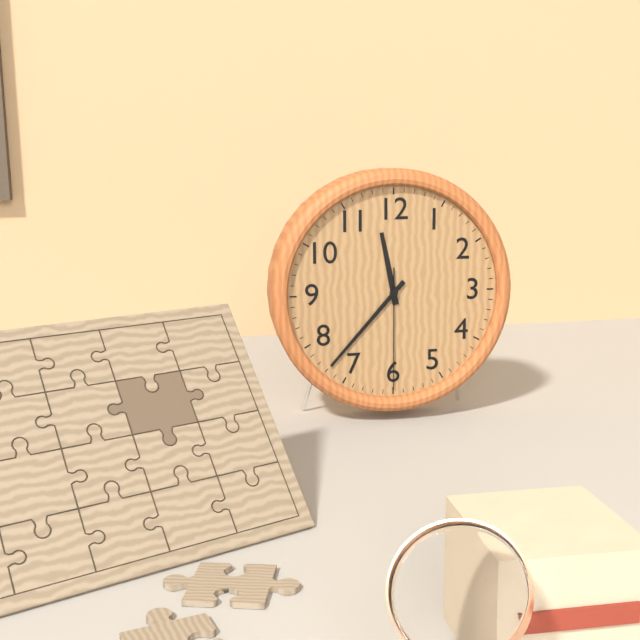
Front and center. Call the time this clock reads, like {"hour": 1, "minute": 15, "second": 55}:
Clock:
{"hour": 11, "minute": 37, "second": 30}
